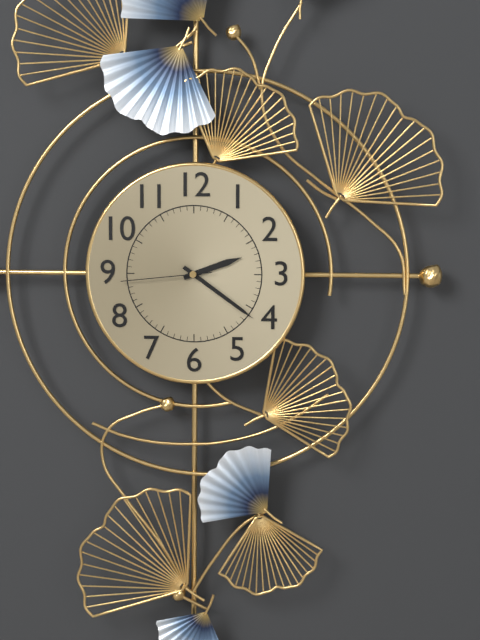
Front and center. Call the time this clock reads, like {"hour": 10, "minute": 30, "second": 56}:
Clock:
{"hour": 2, "minute": 21, "second": 44}
